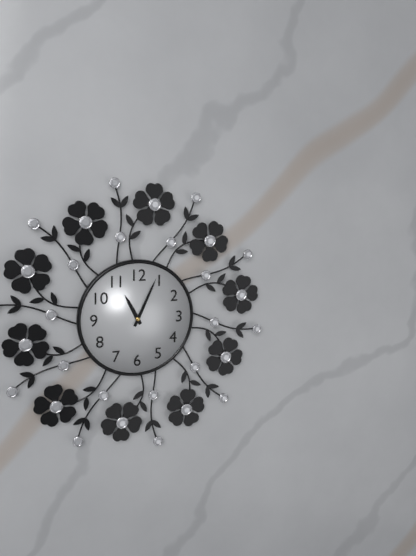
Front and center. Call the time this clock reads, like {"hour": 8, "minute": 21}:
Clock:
{"hour": 11, "minute": 4}
